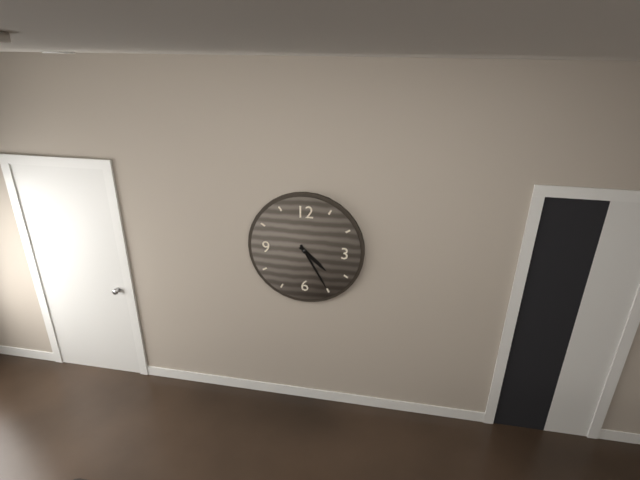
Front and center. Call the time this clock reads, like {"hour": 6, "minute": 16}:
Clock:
{"hour": 4, "minute": 25}
